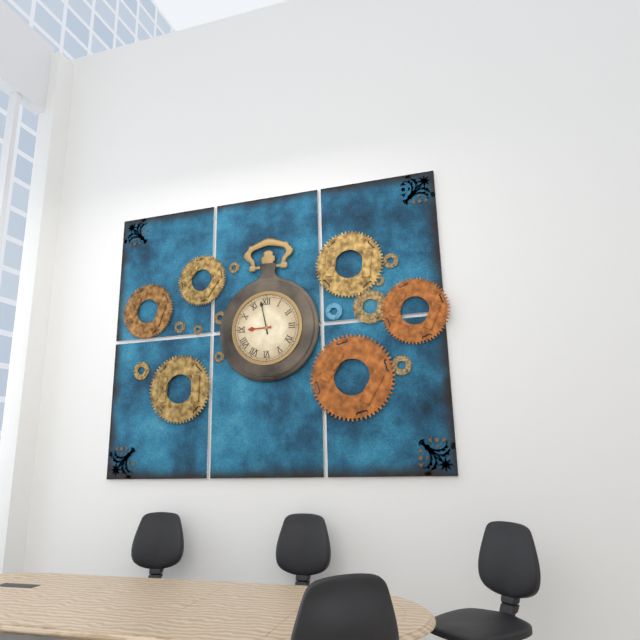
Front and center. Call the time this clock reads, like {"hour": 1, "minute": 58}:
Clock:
{"hour": 8, "minute": 58}
